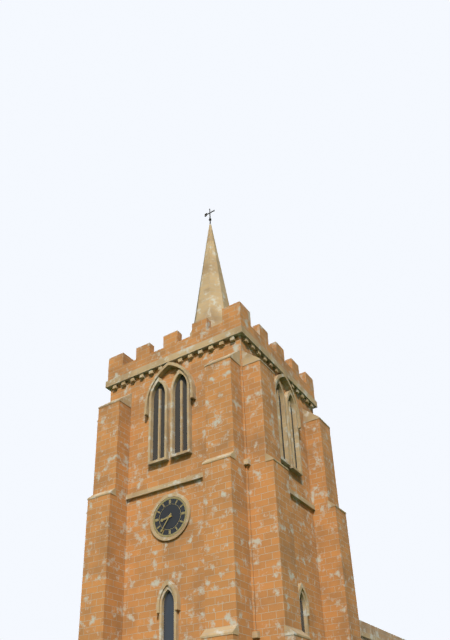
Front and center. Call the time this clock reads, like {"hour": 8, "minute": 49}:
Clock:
{"hour": 8, "minute": 36}
